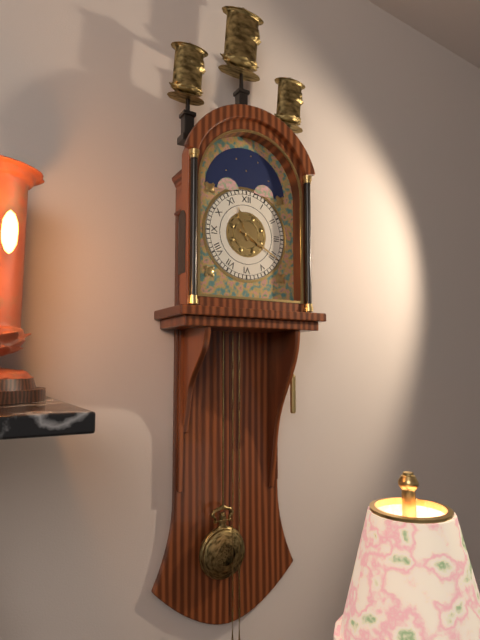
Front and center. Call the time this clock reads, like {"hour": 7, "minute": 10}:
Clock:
{"hour": 11, "minute": 20}
